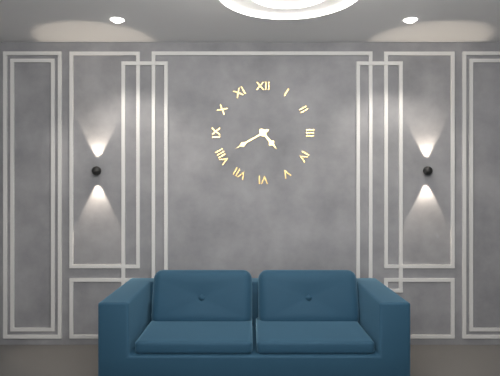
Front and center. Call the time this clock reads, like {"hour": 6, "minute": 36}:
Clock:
{"hour": 4, "minute": 40}
